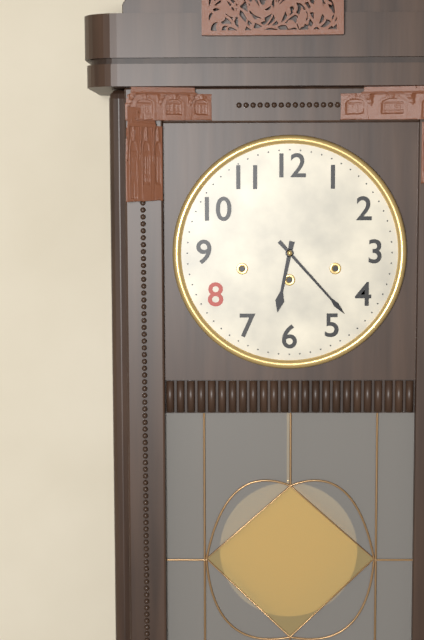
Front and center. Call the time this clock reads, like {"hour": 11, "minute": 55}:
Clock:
{"hour": 6, "minute": 23}
